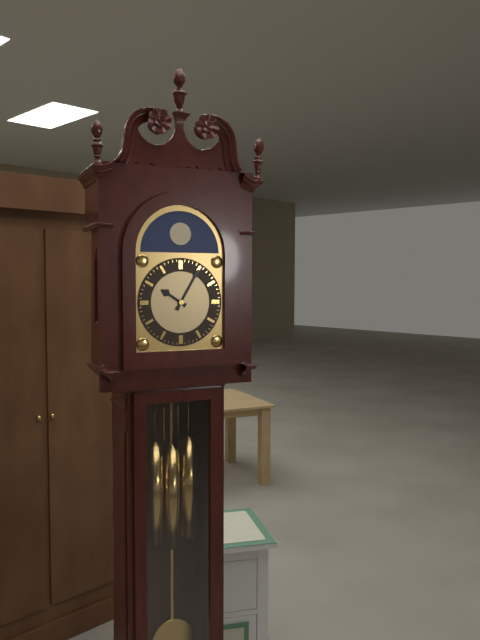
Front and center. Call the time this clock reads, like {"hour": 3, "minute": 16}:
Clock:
{"hour": 10, "minute": 5}
